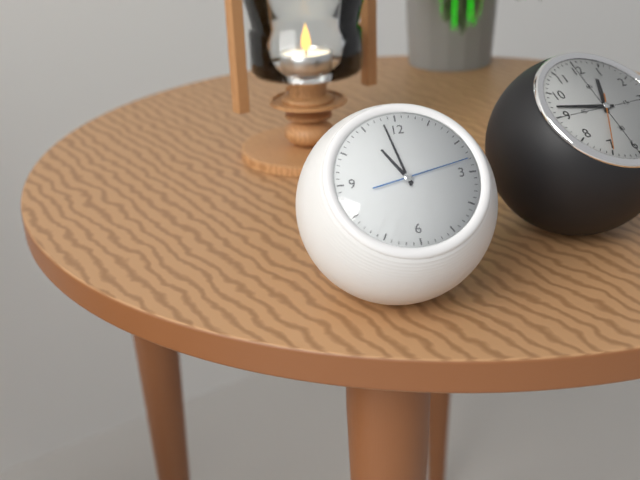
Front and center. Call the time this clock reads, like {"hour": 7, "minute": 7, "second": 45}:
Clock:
{"hour": 10, "minute": 58, "second": 13}
